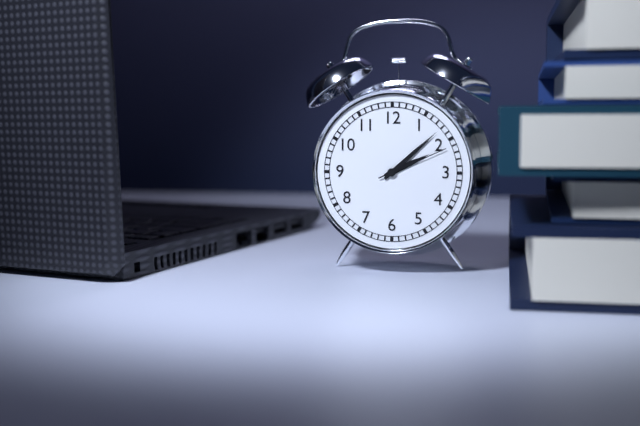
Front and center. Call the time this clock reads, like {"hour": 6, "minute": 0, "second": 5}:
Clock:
{"hour": 2, "minute": 8, "second": 11}
